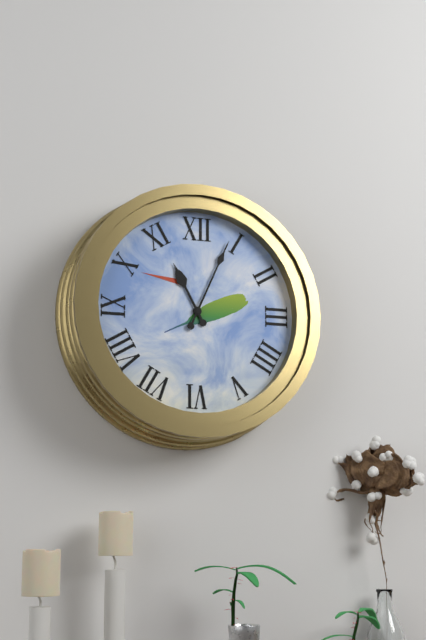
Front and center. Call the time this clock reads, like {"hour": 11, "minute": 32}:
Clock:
{"hour": 11, "minute": 4}
